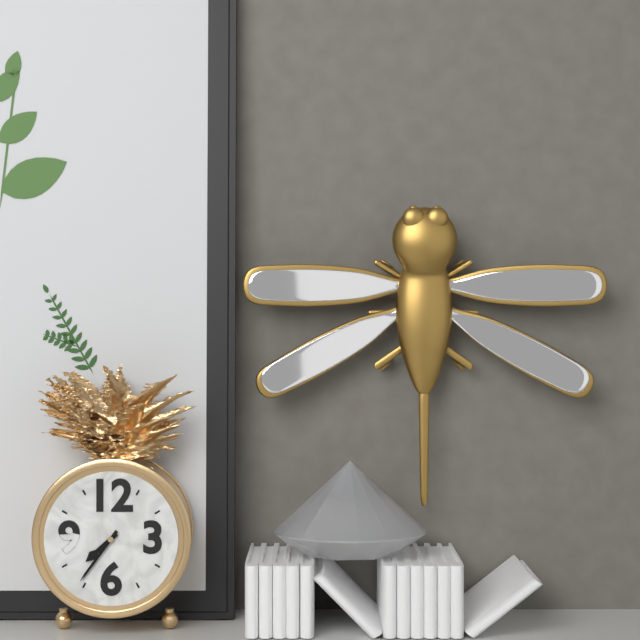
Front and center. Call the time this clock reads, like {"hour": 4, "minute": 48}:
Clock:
{"hour": 7, "minute": 36}
